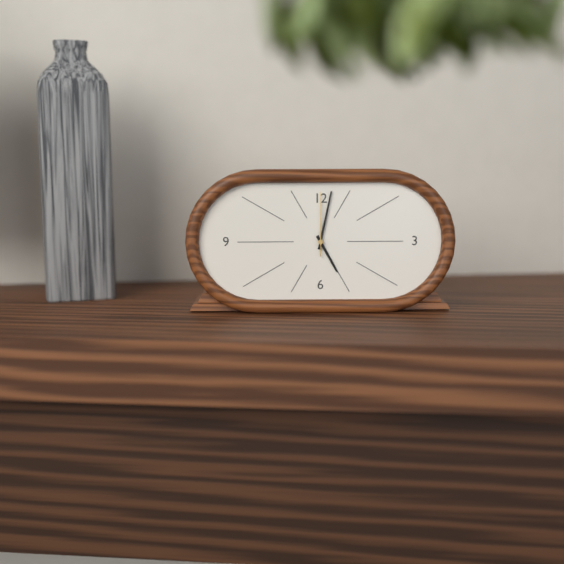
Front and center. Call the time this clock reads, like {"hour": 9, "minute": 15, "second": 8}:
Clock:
{"hour": 5, "minute": 2, "second": 0}
